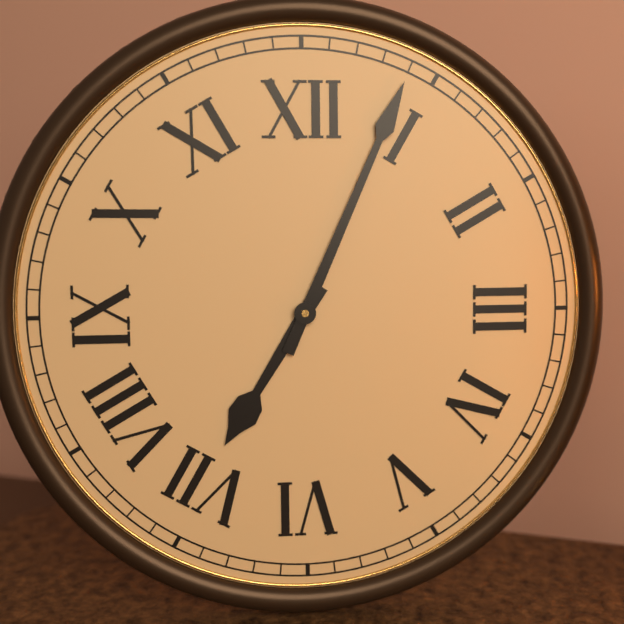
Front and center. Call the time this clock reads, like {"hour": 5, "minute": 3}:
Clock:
{"hour": 7, "minute": 4}
